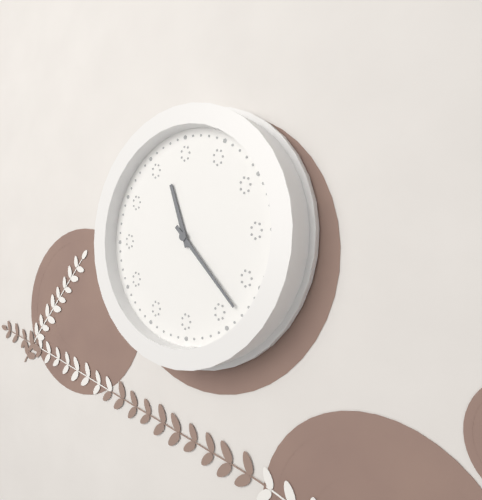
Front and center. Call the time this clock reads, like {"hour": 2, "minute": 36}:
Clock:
{"hour": 11, "minute": 23}
